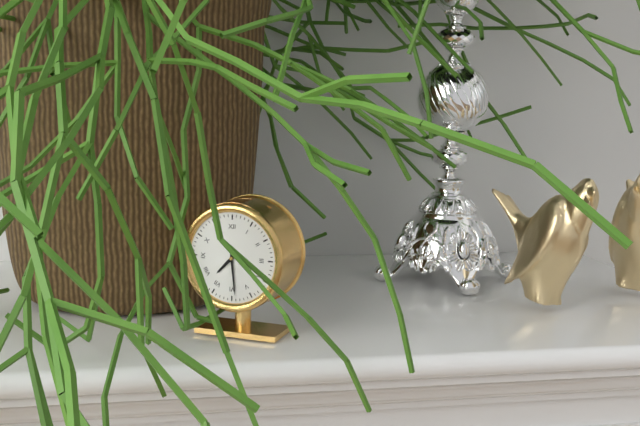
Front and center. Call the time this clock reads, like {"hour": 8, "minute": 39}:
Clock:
{"hour": 7, "minute": 29}
